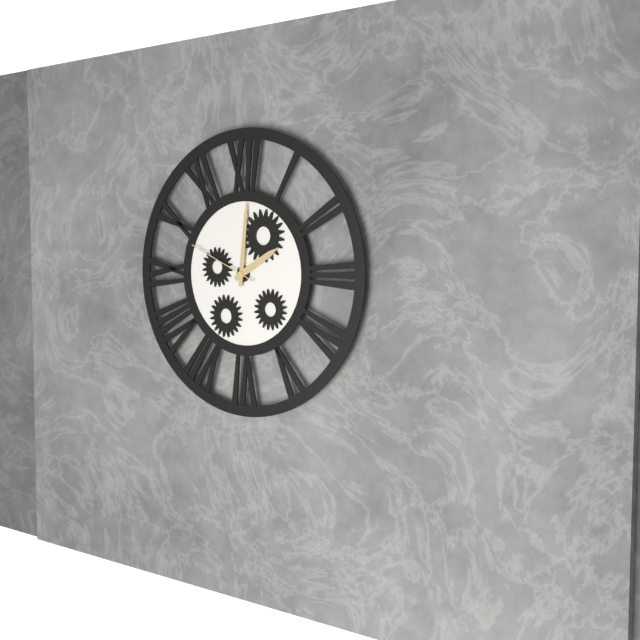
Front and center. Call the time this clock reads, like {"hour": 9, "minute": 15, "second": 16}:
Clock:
{"hour": 2, "minute": 1, "second": 49}
